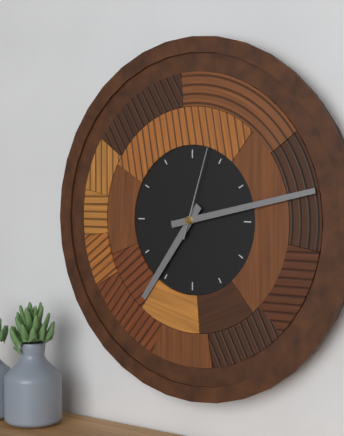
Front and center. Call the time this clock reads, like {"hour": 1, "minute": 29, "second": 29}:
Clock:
{"hour": 7, "minute": 13, "second": 3}
